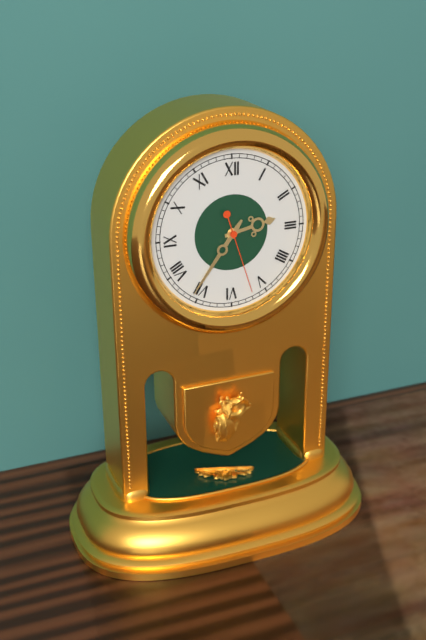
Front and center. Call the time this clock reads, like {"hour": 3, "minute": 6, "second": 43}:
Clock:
{"hour": 2, "minute": 36, "second": 27}
